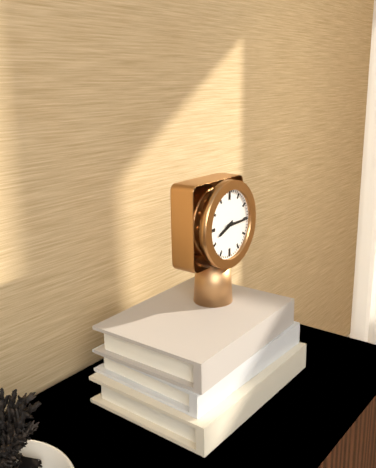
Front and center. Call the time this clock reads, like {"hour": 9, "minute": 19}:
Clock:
{"hour": 8, "minute": 15}
